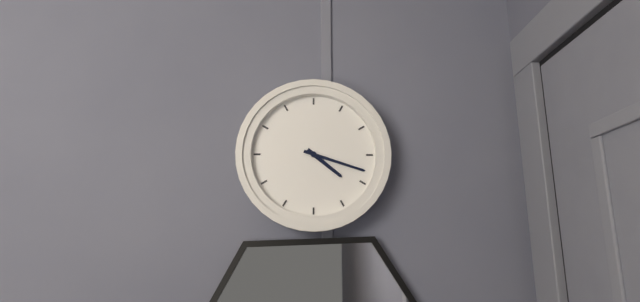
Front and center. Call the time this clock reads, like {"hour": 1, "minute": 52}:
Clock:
{"hour": 4, "minute": 18}
